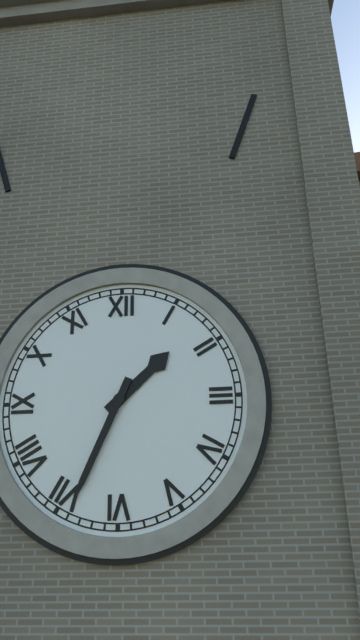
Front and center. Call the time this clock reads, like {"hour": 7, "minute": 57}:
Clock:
{"hour": 1, "minute": 34}
